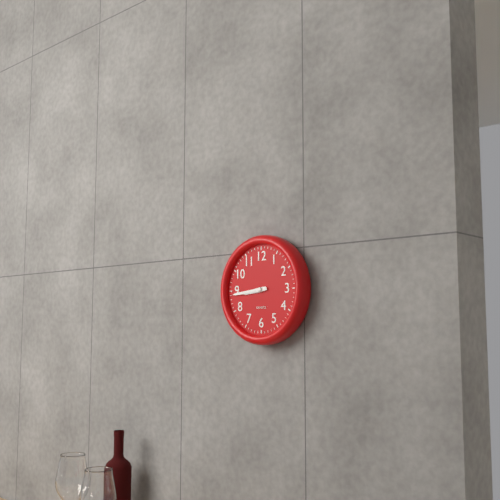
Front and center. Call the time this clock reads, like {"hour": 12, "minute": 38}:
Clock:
{"hour": 8, "minute": 44}
